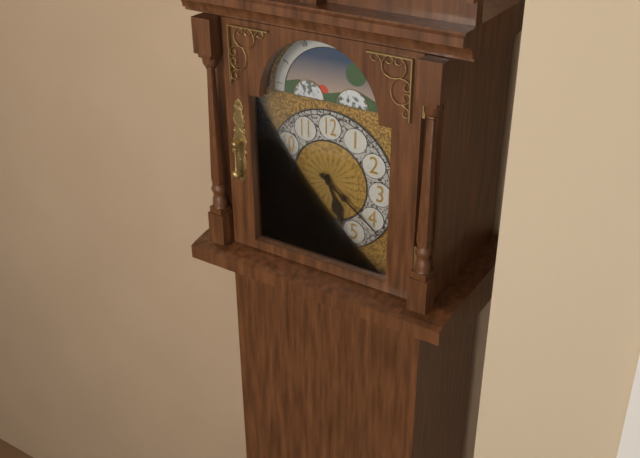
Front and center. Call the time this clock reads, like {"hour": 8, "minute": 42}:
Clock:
{"hour": 5, "minute": 21}
